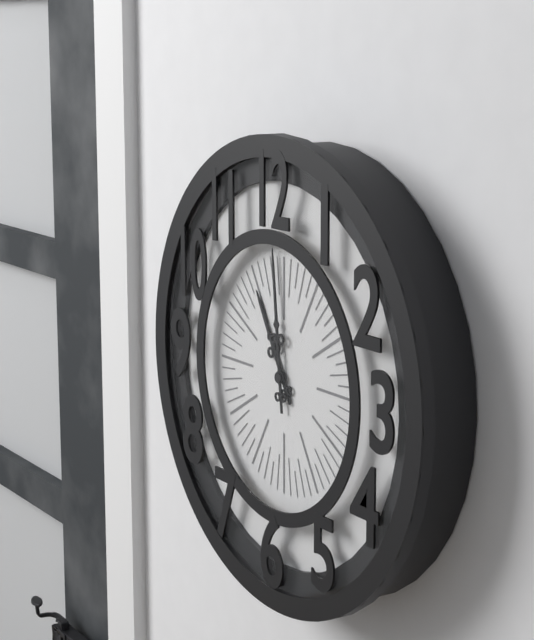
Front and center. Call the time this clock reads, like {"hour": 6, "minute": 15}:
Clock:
{"hour": 10, "minute": 59}
